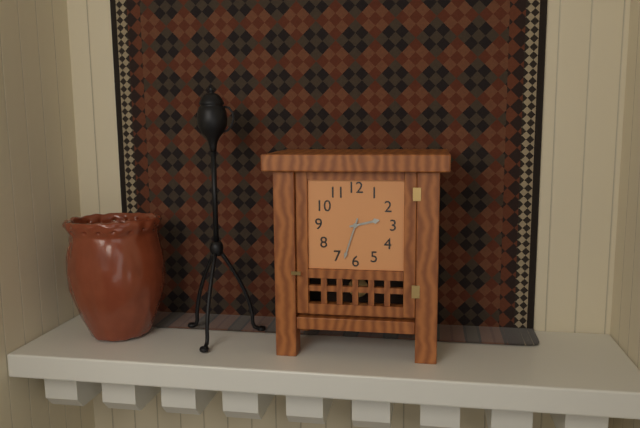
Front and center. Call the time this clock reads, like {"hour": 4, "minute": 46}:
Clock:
{"hour": 2, "minute": 33}
